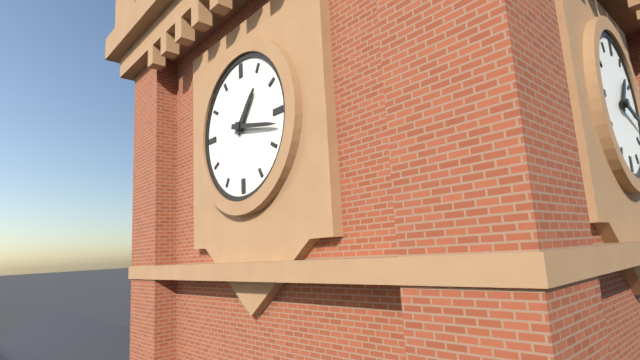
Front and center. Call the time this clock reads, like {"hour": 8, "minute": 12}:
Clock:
{"hour": 1, "minute": 17}
